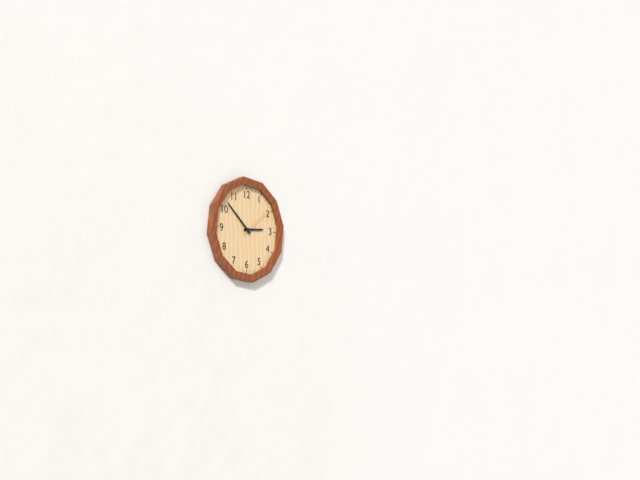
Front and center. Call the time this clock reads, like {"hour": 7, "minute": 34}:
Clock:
{"hour": 2, "minute": 52}
